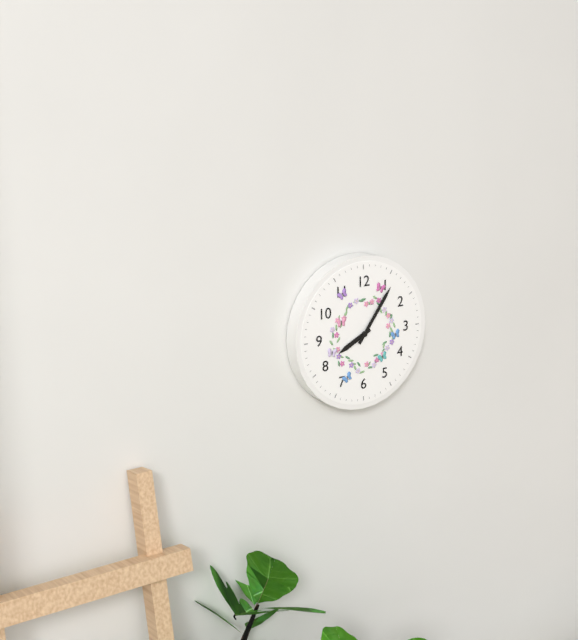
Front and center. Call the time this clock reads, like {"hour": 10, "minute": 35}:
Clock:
{"hour": 8, "minute": 6}
